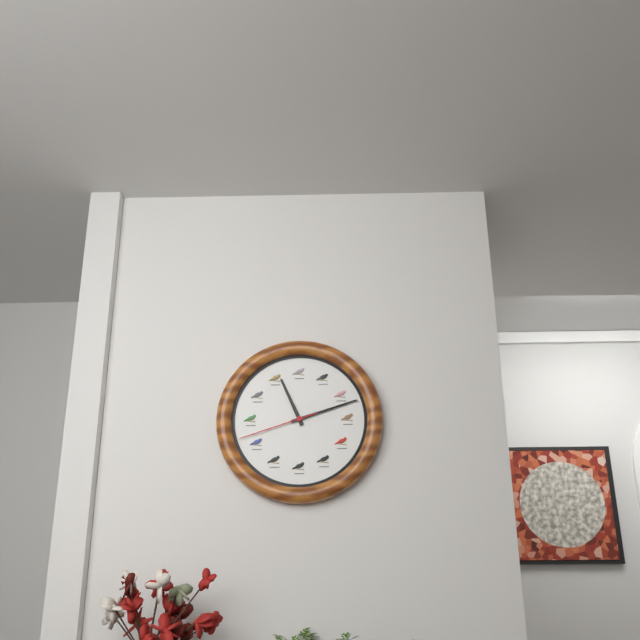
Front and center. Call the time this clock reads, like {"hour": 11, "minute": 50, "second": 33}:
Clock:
{"hour": 11, "minute": 12, "second": 42}
